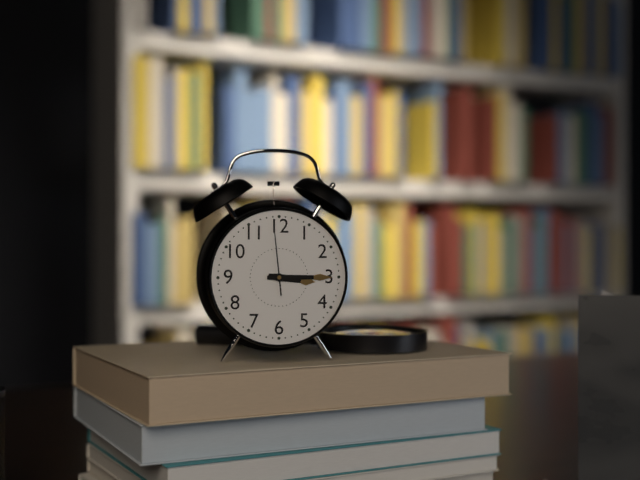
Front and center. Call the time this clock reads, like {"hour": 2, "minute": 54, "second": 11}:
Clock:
{"hour": 3, "minute": 15, "second": 59}
